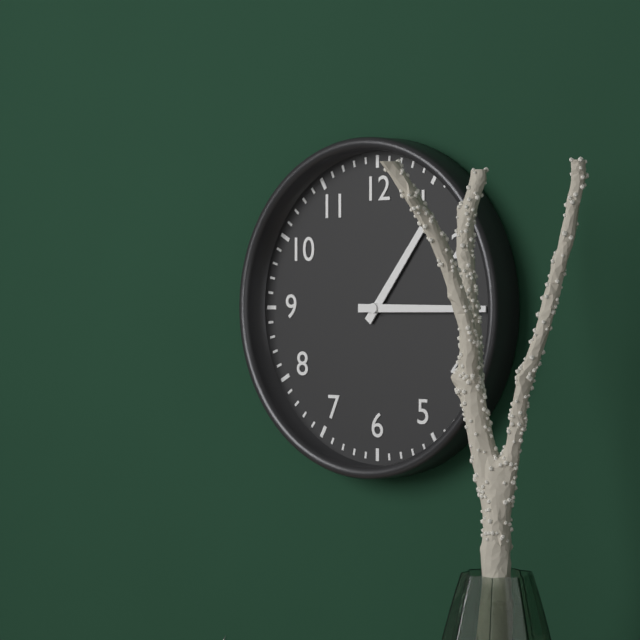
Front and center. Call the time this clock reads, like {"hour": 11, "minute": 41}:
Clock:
{"hour": 1, "minute": 15}
